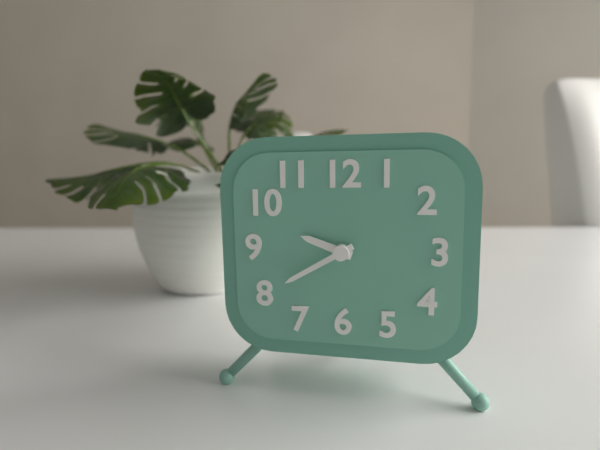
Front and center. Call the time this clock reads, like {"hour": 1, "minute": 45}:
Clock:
{"hour": 9, "minute": 40}
